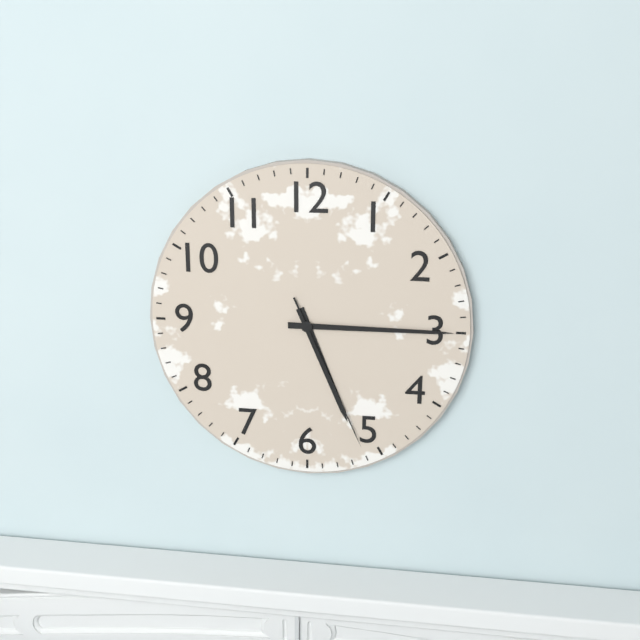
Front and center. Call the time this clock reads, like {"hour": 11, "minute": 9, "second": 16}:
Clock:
{"hour": 5, "minute": 15, "second": 26}
